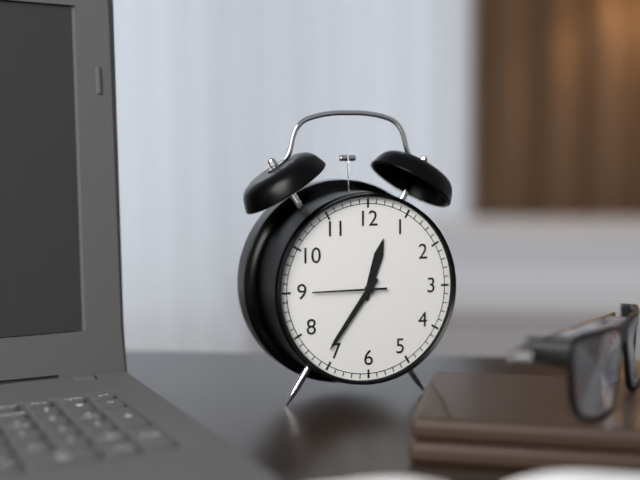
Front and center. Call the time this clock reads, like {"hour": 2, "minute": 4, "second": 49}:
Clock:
{"hour": 12, "minute": 36, "second": 45}
